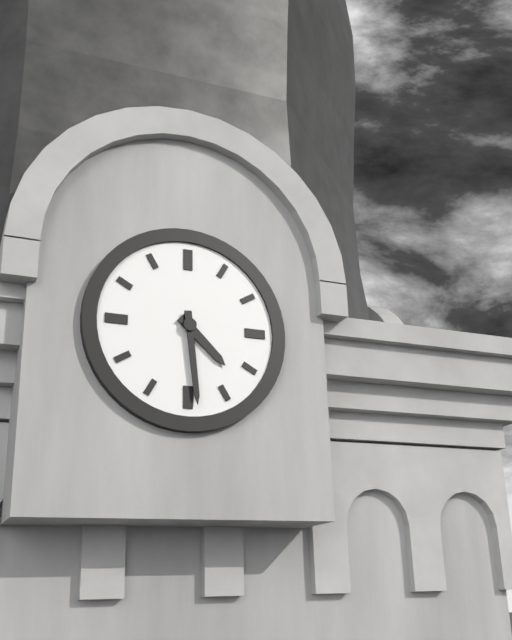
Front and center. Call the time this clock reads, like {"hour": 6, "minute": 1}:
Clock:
{"hour": 4, "minute": 29}
